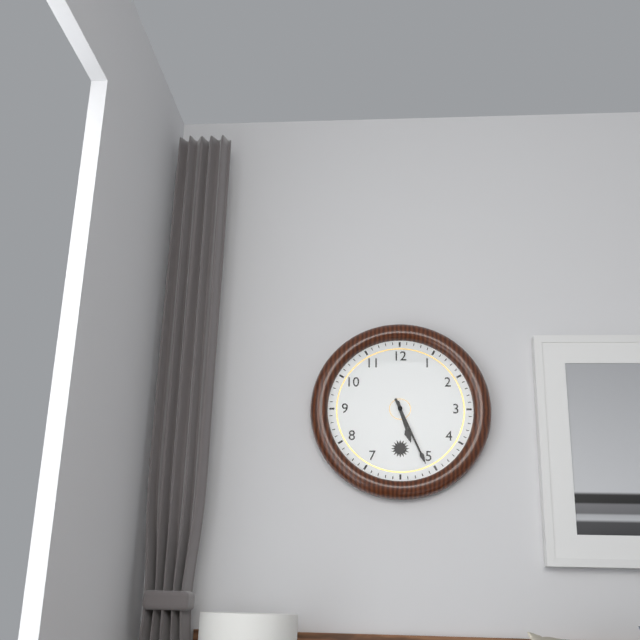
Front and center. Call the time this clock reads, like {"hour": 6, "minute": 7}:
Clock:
{"hour": 5, "minute": 26}
